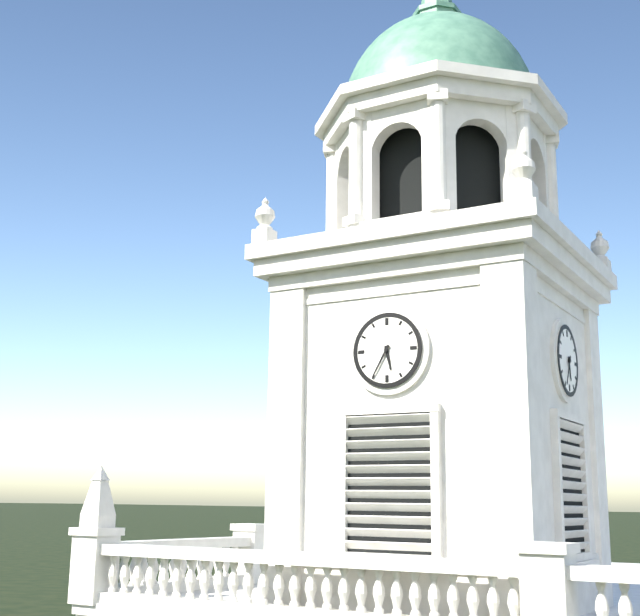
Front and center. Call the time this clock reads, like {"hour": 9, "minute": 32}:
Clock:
{"hour": 5, "minute": 35}
